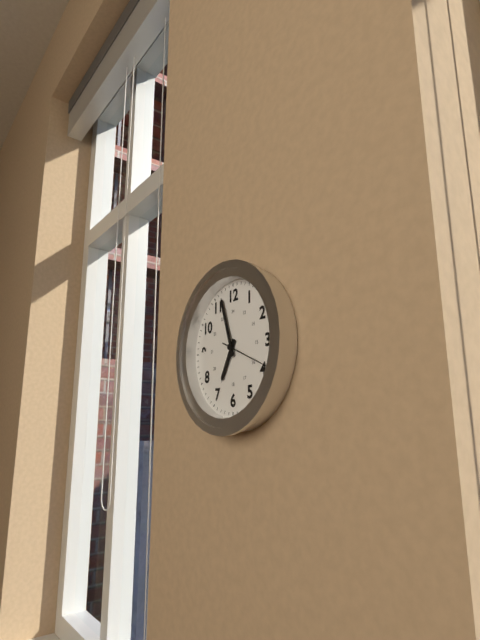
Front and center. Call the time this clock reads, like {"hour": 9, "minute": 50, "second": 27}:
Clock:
{"hour": 6, "minute": 57, "second": 19}
